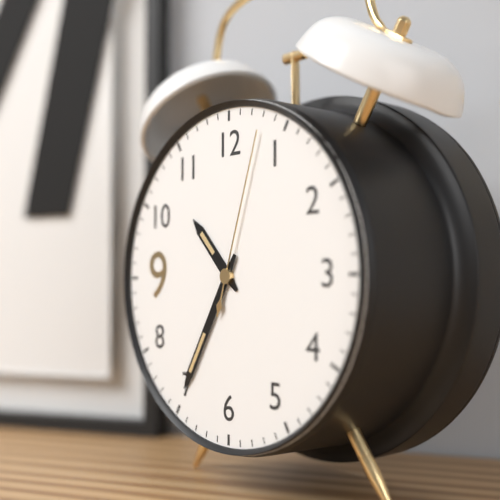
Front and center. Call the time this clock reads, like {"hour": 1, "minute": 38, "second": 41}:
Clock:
{"hour": 10, "minute": 35, "second": 3}
